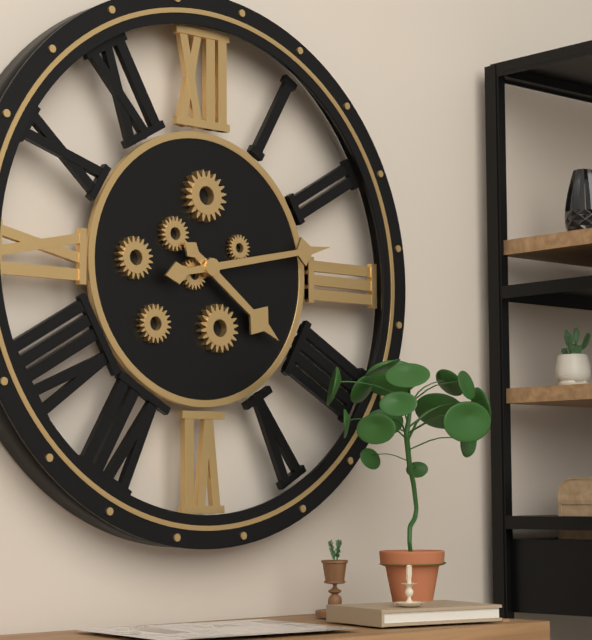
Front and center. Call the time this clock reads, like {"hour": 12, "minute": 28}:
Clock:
{"hour": 4, "minute": 13}
